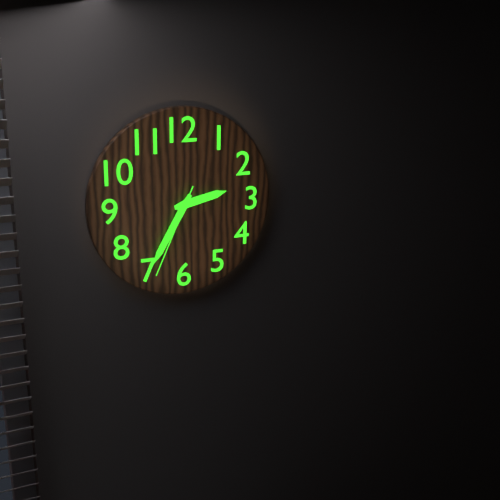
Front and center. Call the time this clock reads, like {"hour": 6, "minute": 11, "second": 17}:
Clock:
{"hour": 2, "minute": 35, "second": 34}
